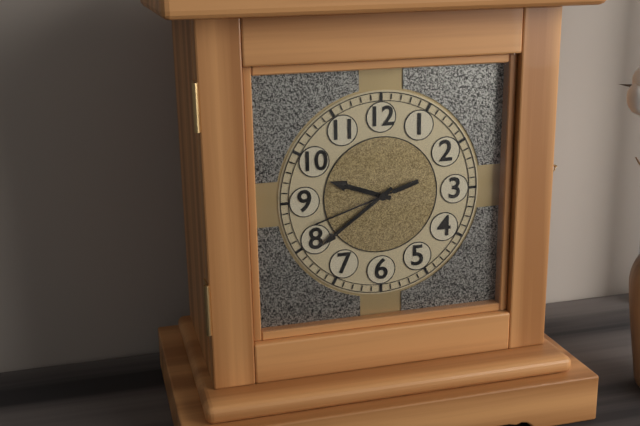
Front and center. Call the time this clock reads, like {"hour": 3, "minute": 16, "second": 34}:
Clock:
{"hour": 9, "minute": 39, "second": 42}
